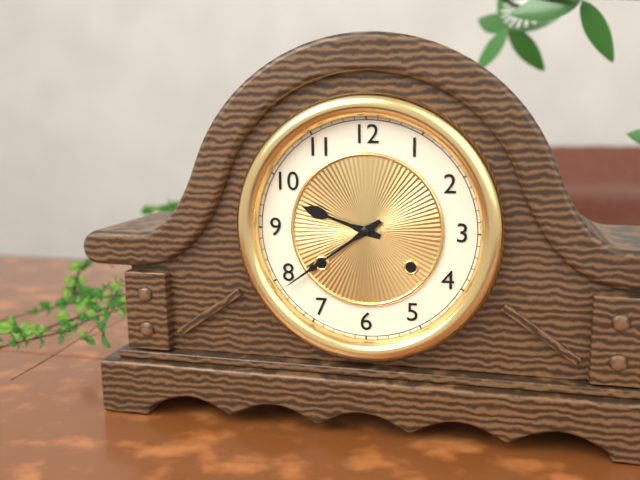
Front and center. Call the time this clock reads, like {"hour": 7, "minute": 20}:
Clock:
{"hour": 9, "minute": 39}
